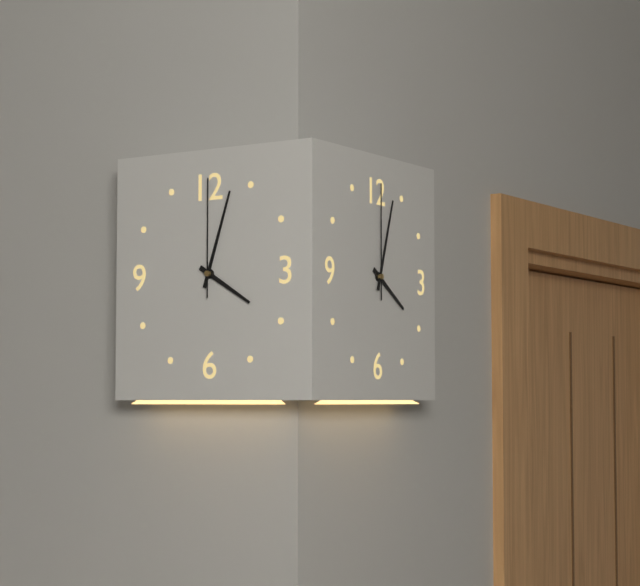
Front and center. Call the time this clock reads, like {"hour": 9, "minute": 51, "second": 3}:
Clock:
{"hour": 4, "minute": 3, "second": 0}
